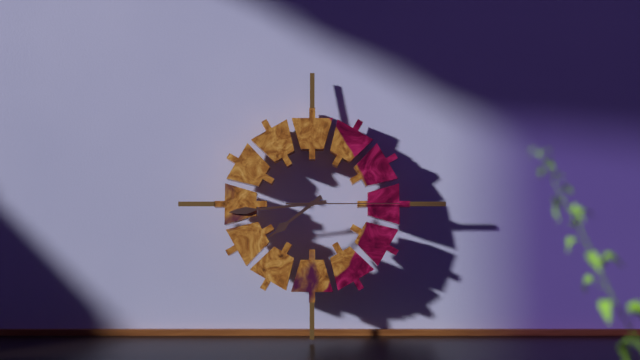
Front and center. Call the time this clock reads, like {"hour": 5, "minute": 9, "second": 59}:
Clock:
{"hour": 7, "minute": 44, "second": 15}
